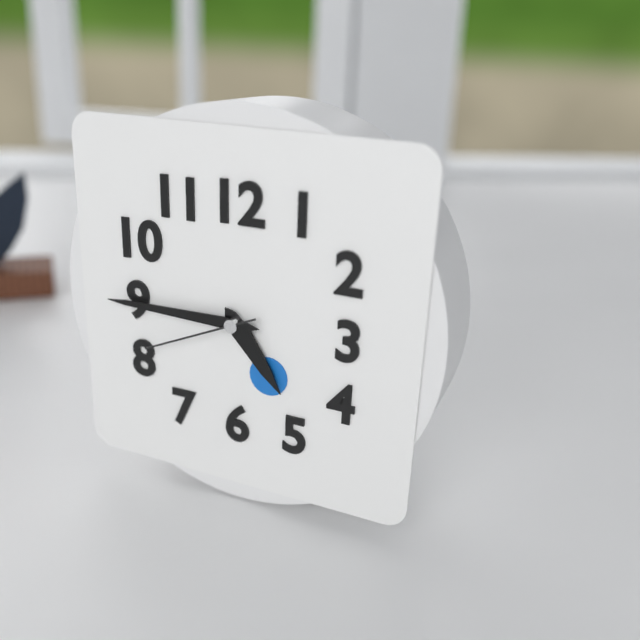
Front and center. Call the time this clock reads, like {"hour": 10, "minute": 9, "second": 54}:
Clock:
{"hour": 4, "minute": 45, "second": 41}
